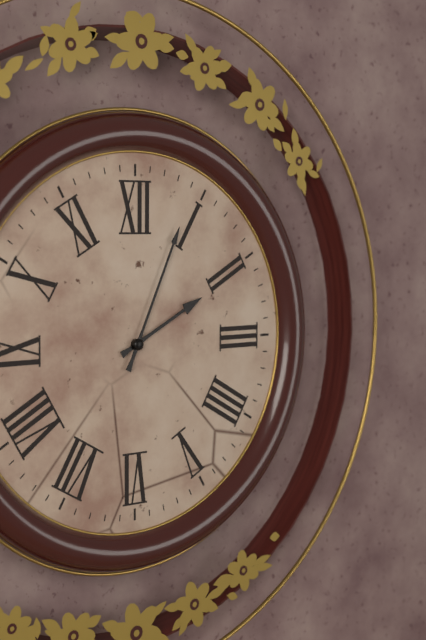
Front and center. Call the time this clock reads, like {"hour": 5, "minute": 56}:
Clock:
{"hour": 2, "minute": 4}
